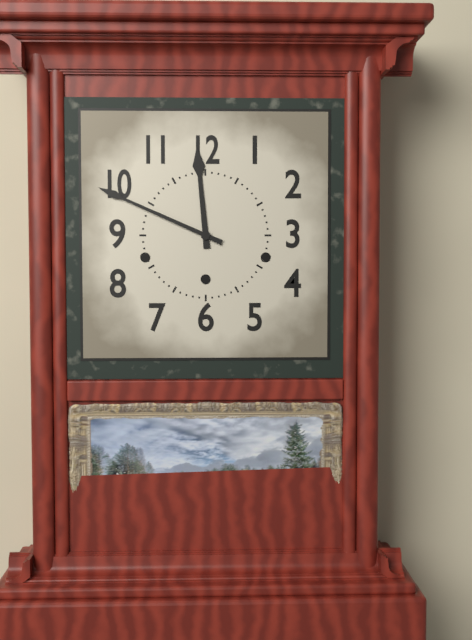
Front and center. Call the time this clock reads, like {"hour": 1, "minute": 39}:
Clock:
{"hour": 11, "minute": 49}
